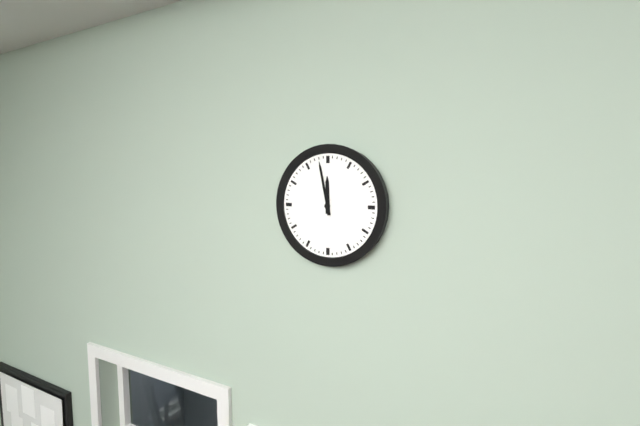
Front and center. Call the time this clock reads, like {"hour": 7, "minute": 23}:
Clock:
{"hour": 11, "minute": 58}
